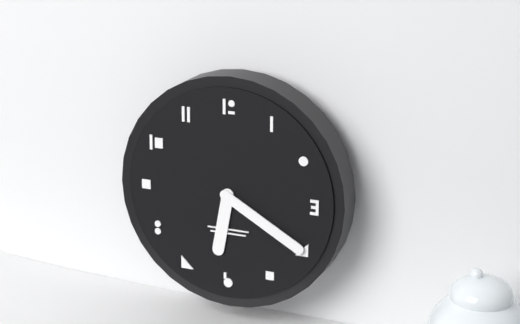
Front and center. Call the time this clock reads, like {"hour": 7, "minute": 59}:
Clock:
{"hour": 6, "minute": 20}
